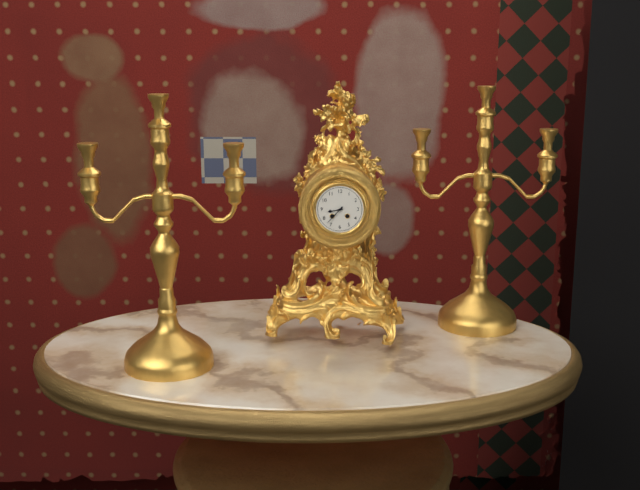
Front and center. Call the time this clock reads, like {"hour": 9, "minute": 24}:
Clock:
{"hour": 8, "minute": 37}
